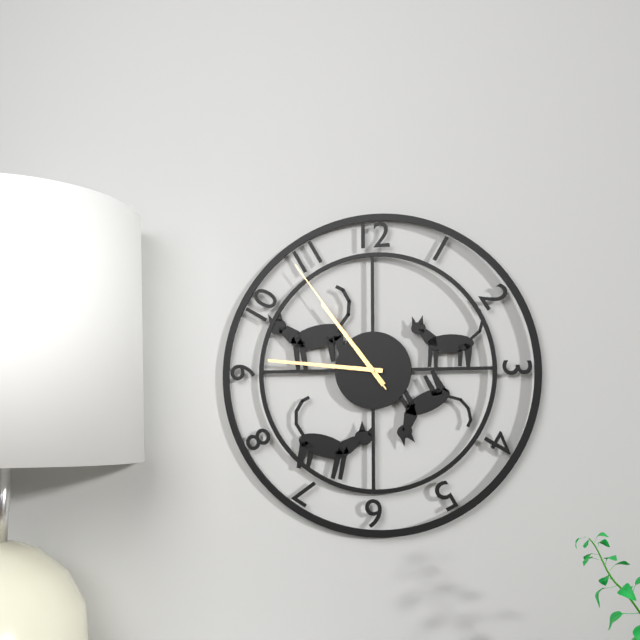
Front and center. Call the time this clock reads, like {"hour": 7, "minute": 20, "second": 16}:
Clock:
{"hour": 10, "minute": 46, "second": 54}
